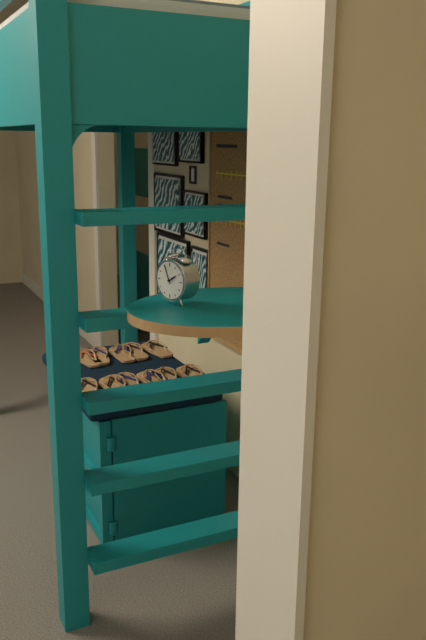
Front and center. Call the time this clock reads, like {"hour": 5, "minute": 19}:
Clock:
{"hour": 1, "minute": 56}
